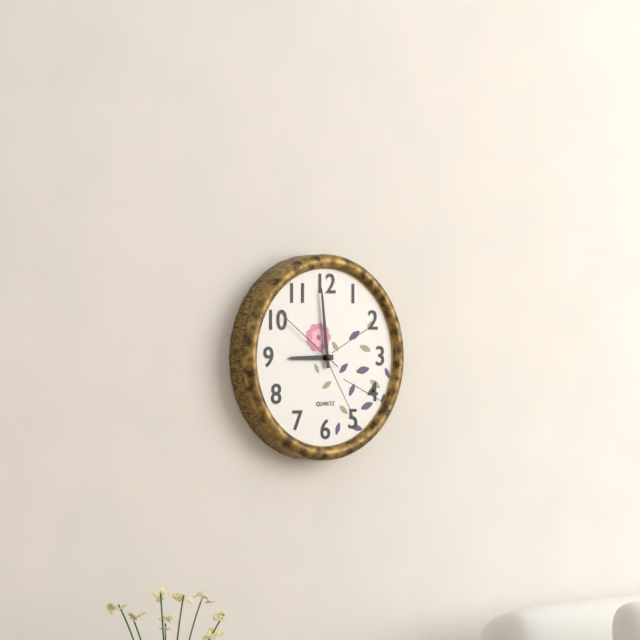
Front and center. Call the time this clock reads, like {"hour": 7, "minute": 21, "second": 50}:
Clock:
{"hour": 8, "minute": 59, "second": 51}
